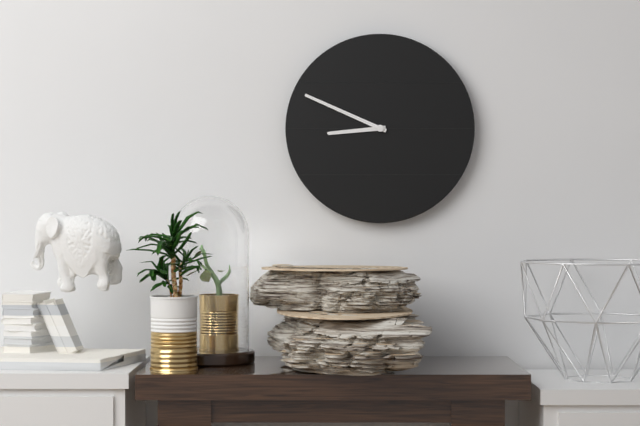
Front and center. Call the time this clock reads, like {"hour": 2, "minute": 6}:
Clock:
{"hour": 8, "minute": 49}
